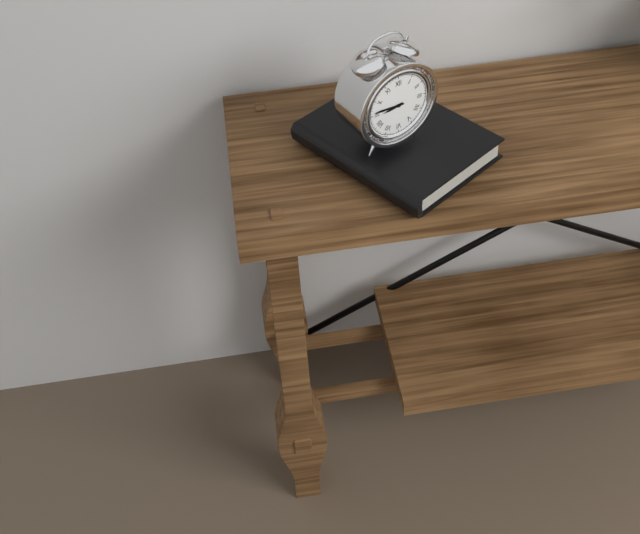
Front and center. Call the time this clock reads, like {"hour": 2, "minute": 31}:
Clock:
{"hour": 8, "minute": 46}
